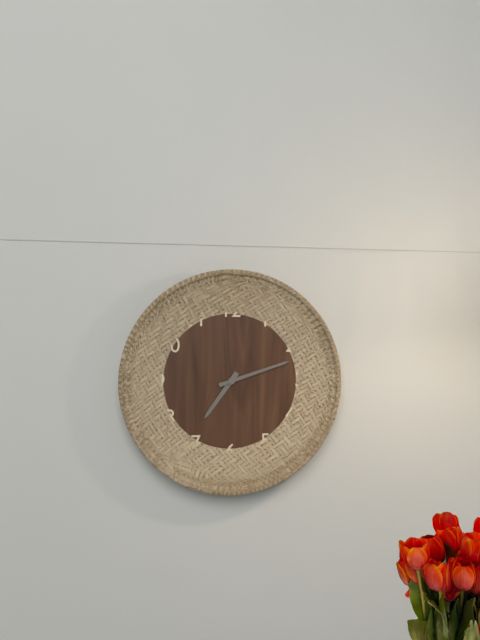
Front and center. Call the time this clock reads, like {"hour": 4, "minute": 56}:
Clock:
{"hour": 7, "minute": 12}
